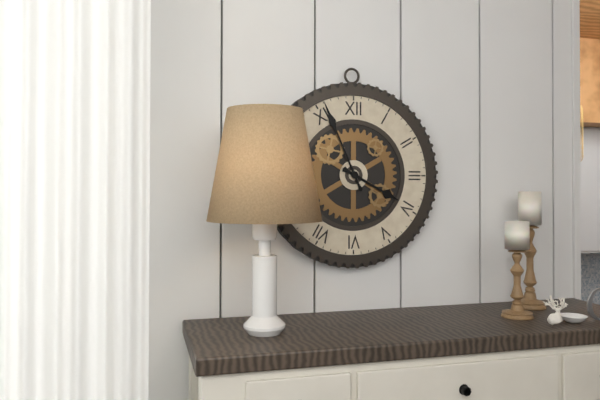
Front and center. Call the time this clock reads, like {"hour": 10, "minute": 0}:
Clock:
{"hour": 3, "minute": 56}
